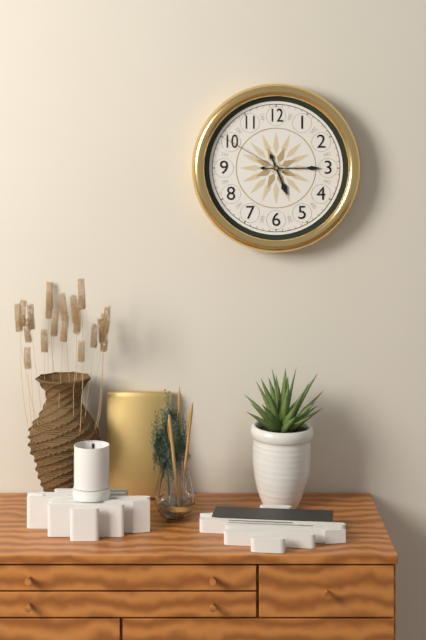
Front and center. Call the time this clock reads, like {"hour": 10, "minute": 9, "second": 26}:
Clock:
{"hour": 5, "minute": 15, "second": 50}
